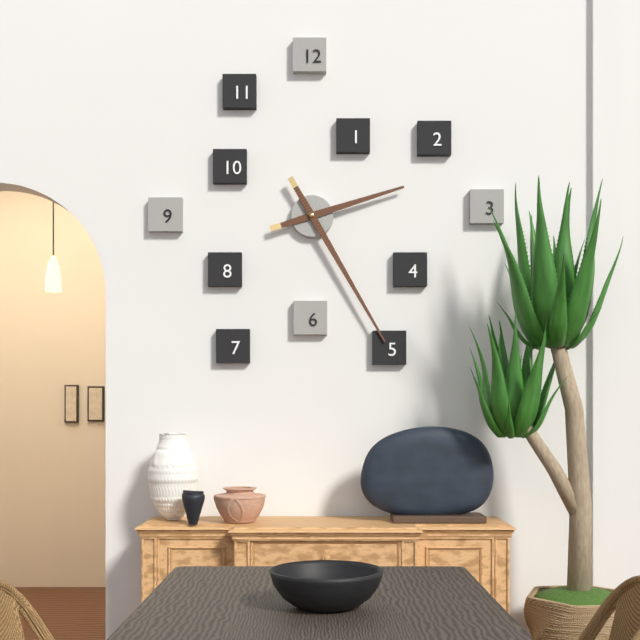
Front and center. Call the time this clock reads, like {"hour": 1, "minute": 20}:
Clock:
{"hour": 2, "minute": 25}
